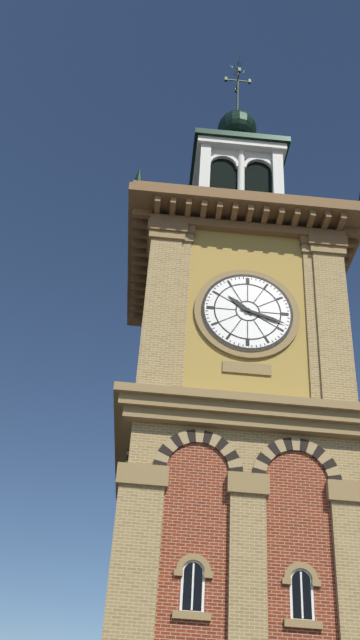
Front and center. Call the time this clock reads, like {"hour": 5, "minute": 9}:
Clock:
{"hour": 10, "minute": 18}
